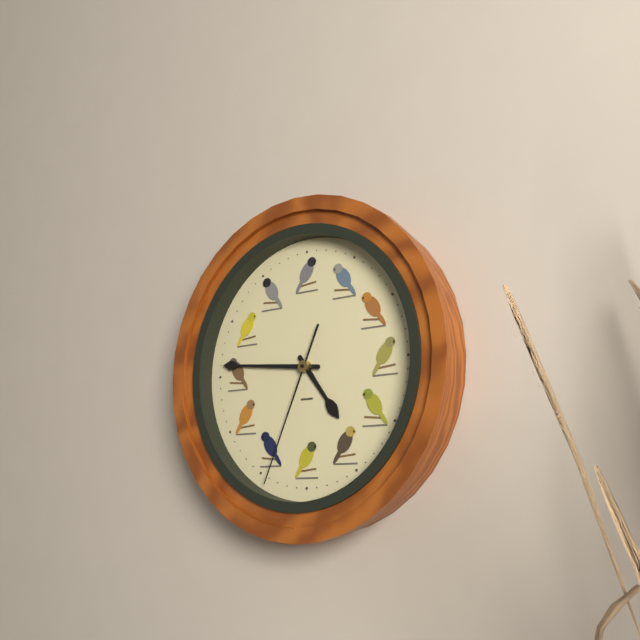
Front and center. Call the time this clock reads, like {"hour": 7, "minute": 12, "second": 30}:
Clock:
{"hour": 4, "minute": 46, "second": 34}
